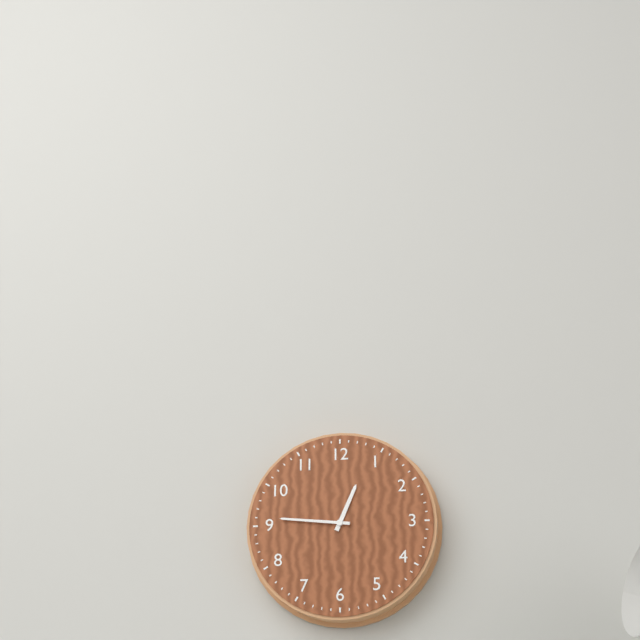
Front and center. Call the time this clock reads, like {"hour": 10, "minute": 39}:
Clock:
{"hour": 12, "minute": 46}
